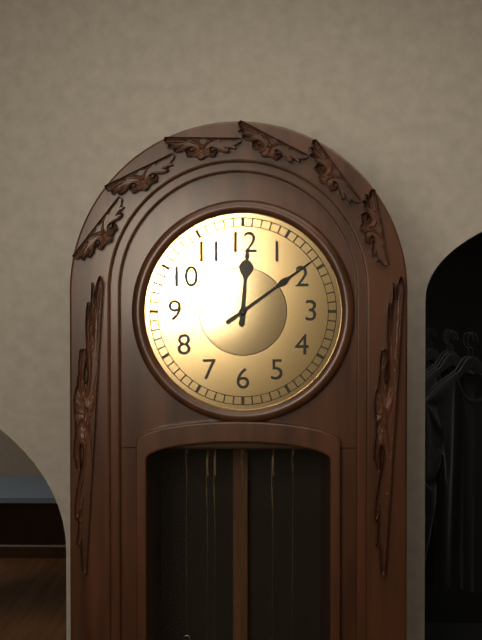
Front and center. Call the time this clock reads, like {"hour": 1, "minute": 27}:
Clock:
{"hour": 12, "minute": 9}
